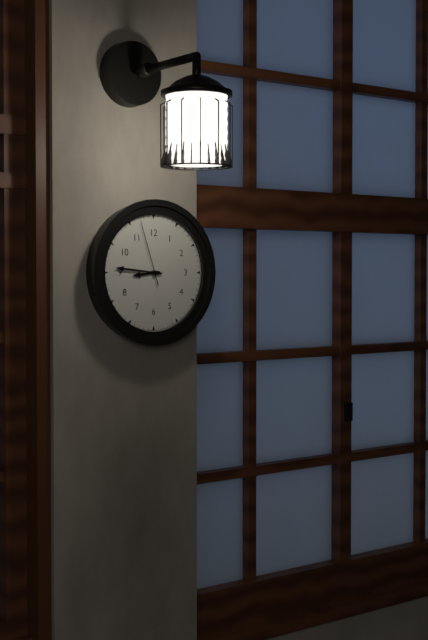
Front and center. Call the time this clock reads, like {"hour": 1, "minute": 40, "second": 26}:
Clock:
{"hour": 8, "minute": 46, "second": 57}
